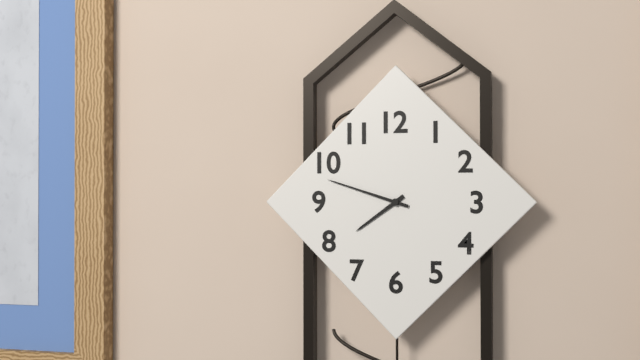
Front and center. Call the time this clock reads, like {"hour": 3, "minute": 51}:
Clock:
{"hour": 7, "minute": 48}
